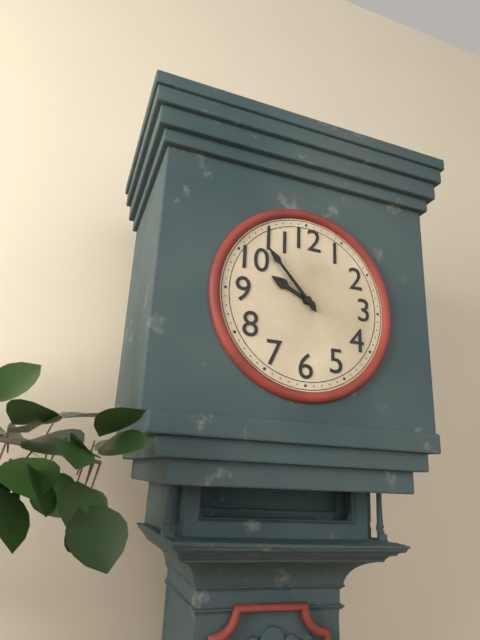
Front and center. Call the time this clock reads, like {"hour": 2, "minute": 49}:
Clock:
{"hour": 9, "minute": 53}
